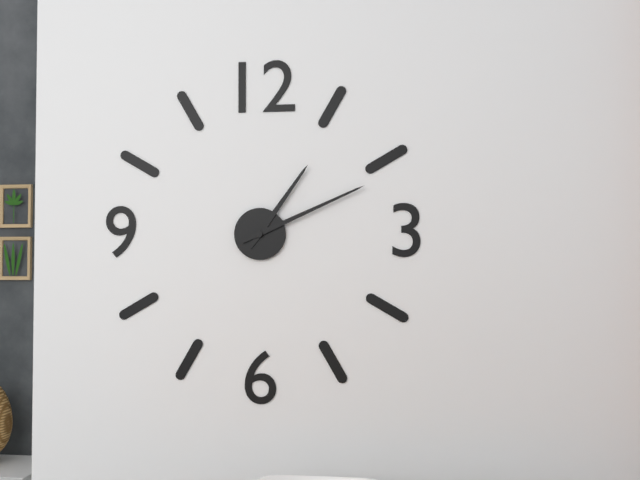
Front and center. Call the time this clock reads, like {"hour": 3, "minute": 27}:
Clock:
{"hour": 1, "minute": 11}
